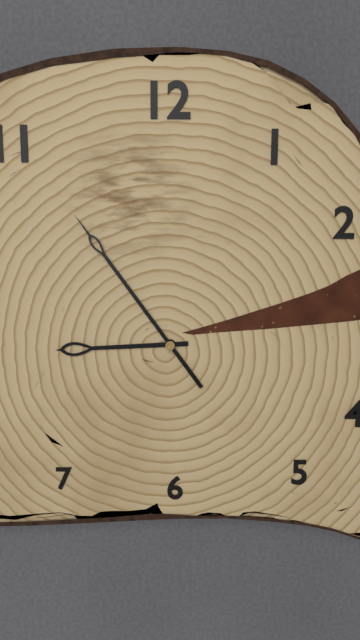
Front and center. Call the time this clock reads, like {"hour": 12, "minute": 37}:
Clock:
{"hour": 8, "minute": 54}
